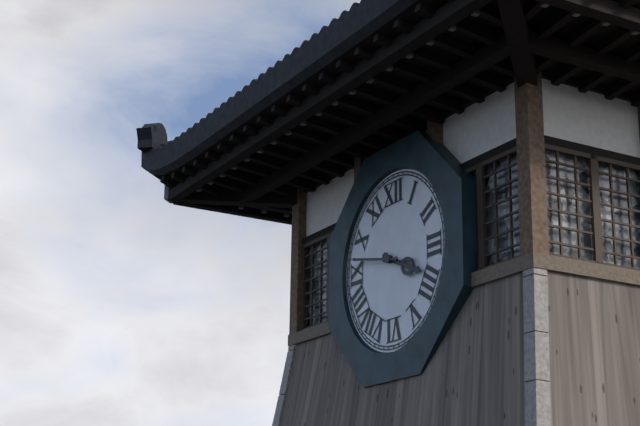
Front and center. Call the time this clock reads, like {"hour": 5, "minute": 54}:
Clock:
{"hour": 3, "minute": 47}
